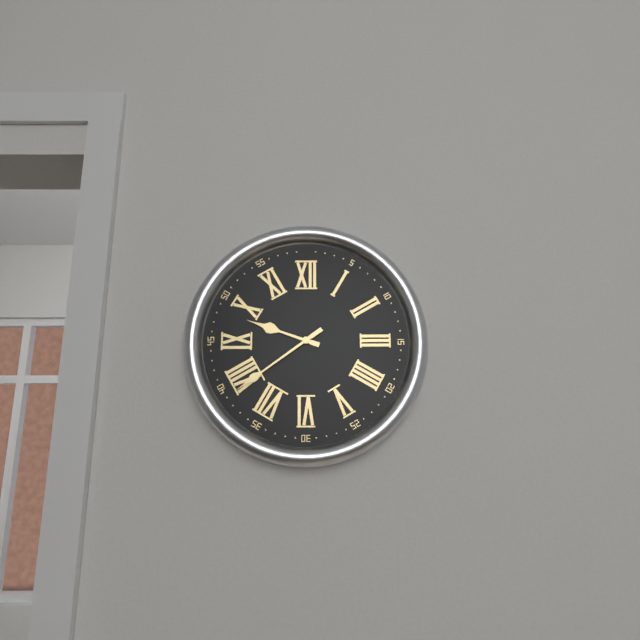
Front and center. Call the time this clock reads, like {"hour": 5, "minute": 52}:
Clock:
{"hour": 9, "minute": 39}
